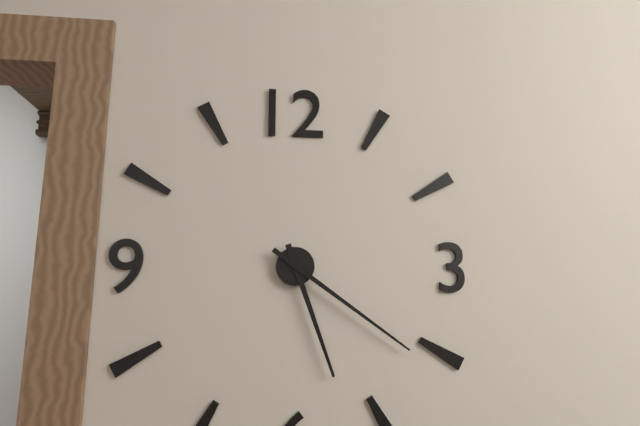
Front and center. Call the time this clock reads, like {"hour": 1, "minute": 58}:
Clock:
{"hour": 5, "minute": 21}
